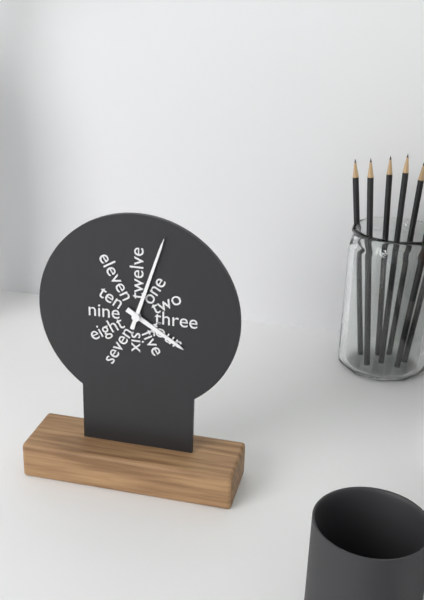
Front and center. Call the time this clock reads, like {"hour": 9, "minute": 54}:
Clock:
{"hour": 4, "minute": 3}
